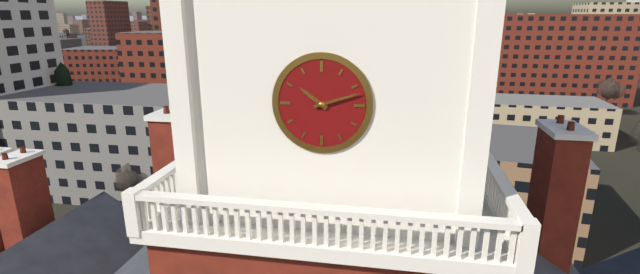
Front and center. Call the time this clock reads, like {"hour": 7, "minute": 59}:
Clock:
{"hour": 10, "minute": 12}
